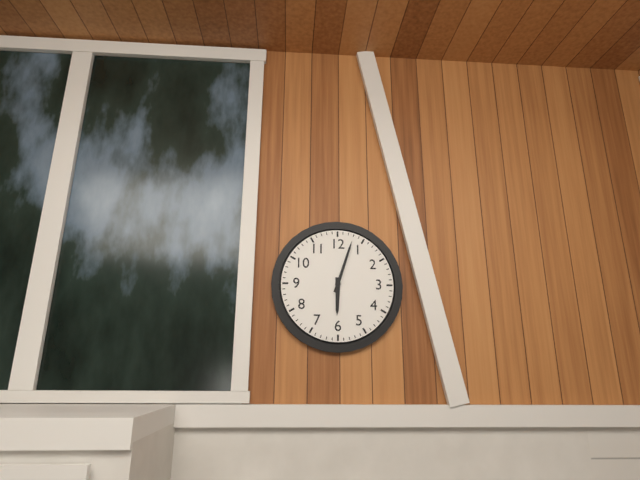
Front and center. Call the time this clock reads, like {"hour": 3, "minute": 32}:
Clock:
{"hour": 6, "minute": 3}
